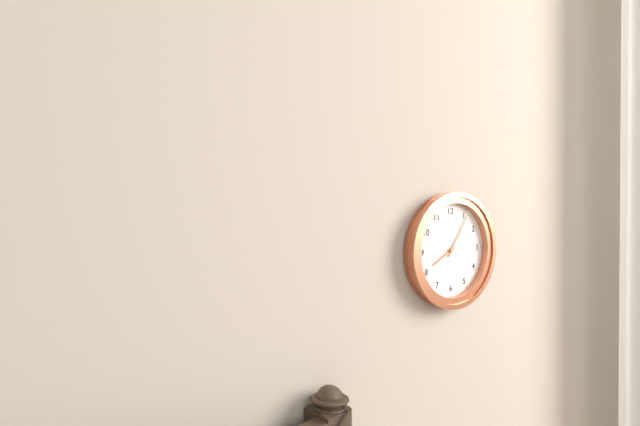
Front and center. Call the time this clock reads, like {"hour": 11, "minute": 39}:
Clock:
{"hour": 8, "minute": 6}
